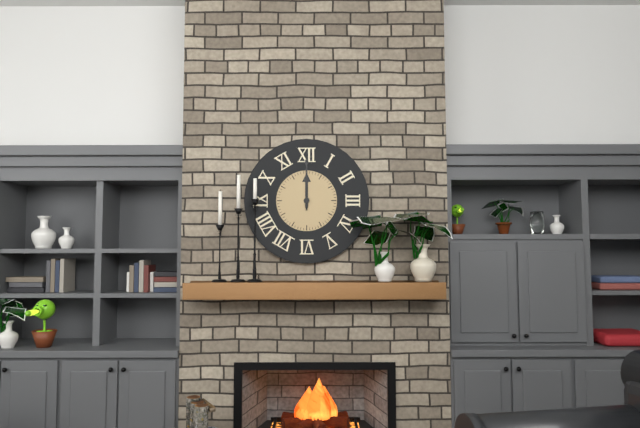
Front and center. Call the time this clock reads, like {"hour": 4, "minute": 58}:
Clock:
{"hour": 12, "minute": 0}
